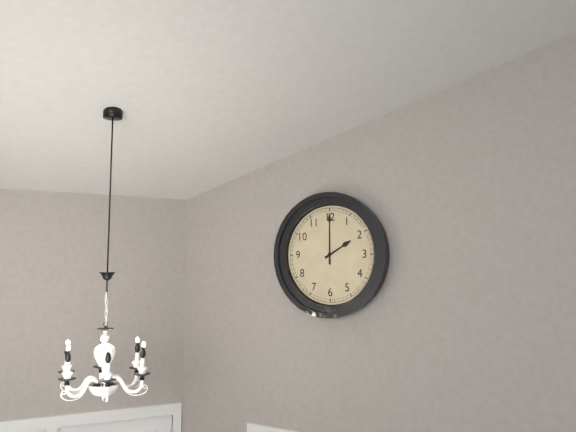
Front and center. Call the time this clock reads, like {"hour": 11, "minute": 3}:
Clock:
{"hour": 2, "minute": 0}
